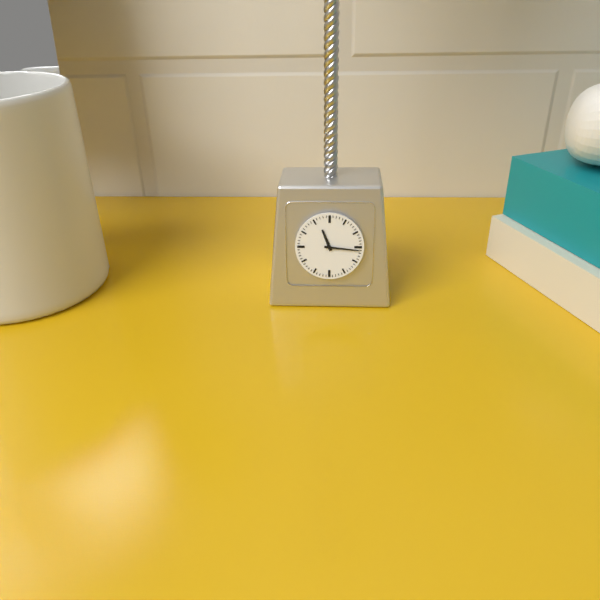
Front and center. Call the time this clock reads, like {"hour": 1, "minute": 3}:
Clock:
{"hour": 11, "minute": 16}
